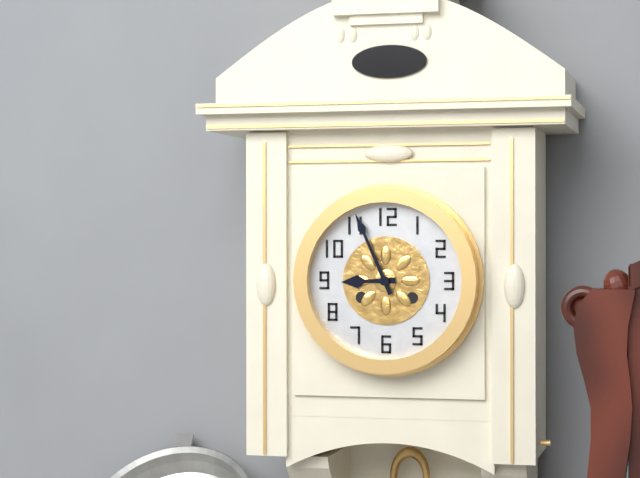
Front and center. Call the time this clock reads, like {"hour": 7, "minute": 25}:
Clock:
{"hour": 8, "minute": 56}
